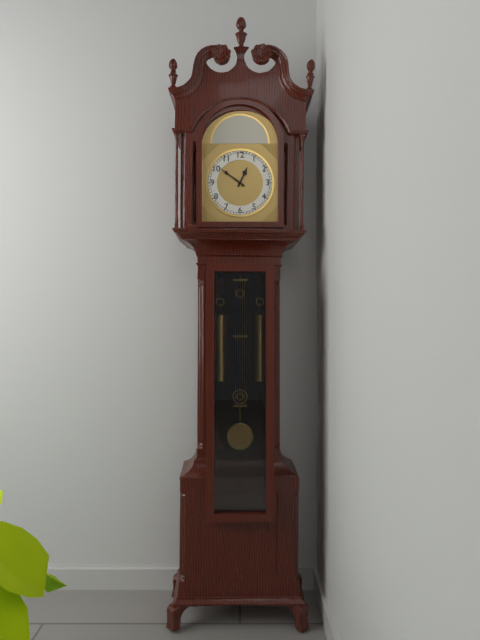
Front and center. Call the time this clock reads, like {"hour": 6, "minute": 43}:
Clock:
{"hour": 12, "minute": 51}
